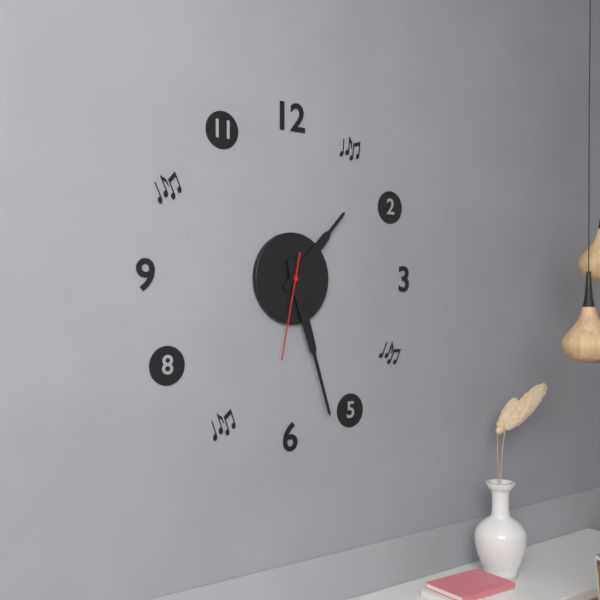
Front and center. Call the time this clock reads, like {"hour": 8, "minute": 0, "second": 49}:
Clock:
{"hour": 1, "minute": 27, "second": 32}
